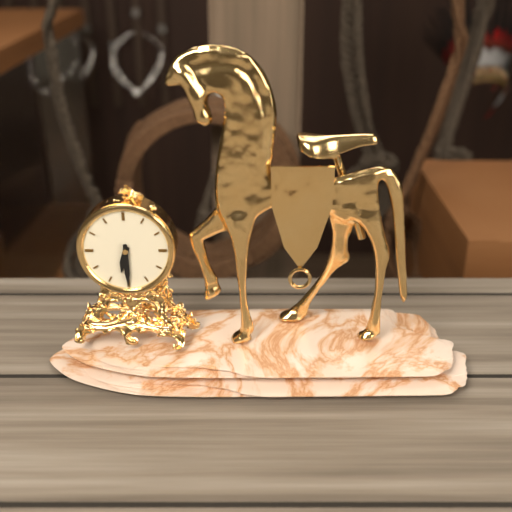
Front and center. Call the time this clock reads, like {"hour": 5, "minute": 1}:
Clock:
{"hour": 6, "minute": 30}
